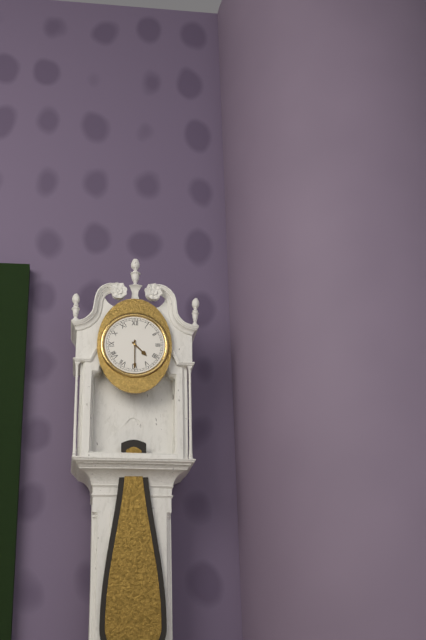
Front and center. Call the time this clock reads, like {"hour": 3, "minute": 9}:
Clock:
{"hour": 4, "minute": 30}
